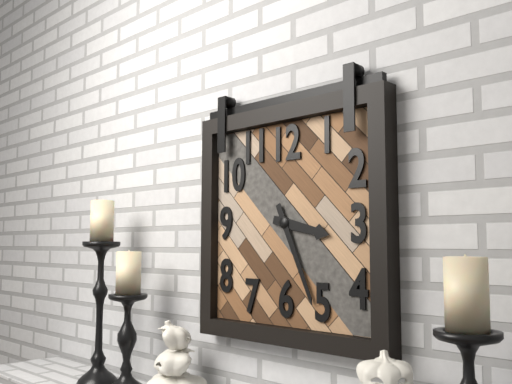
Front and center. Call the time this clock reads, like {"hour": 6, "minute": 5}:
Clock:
{"hour": 3, "minute": 26}
